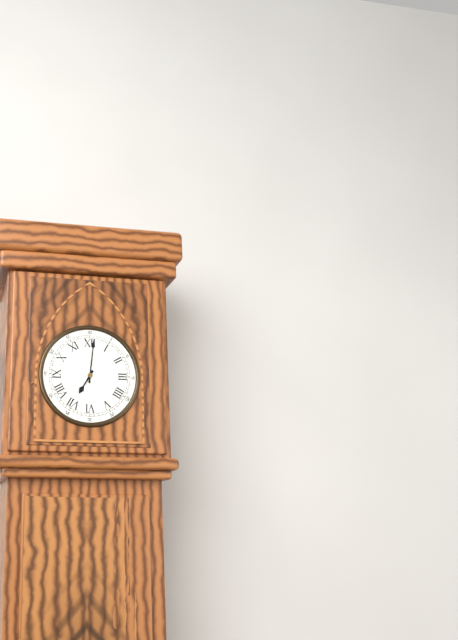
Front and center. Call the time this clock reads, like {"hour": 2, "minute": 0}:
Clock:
{"hour": 7, "minute": 1}
